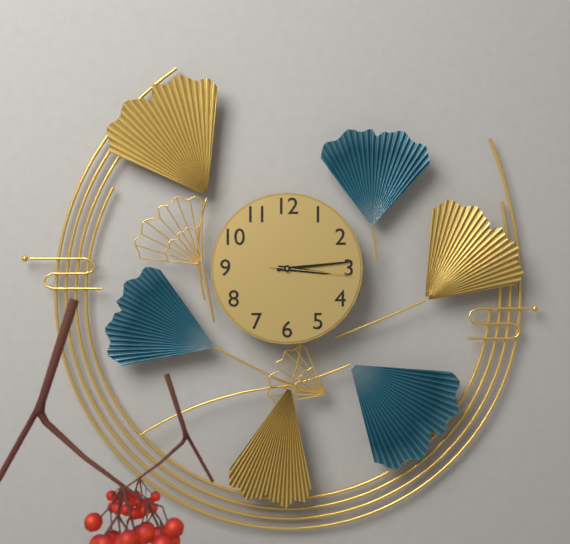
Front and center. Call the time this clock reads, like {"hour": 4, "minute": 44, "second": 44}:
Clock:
{"hour": 3, "minute": 14, "second": 16}
